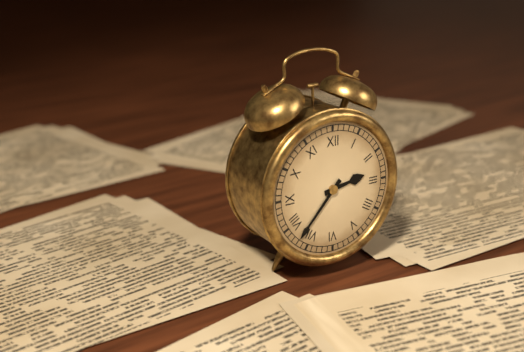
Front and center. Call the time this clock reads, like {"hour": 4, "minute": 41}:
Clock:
{"hour": 2, "minute": 37}
